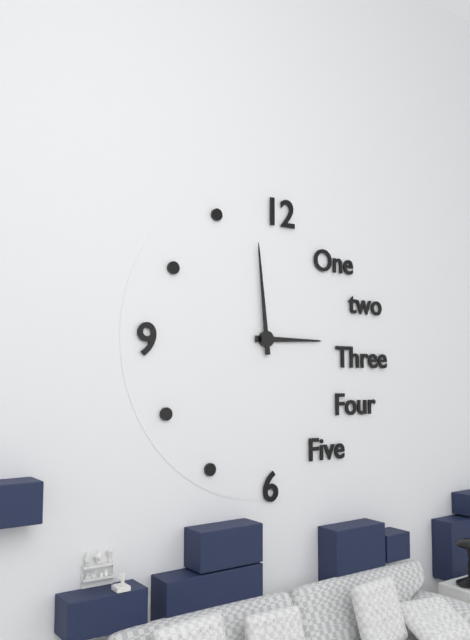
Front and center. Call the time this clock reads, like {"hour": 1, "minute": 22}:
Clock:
{"hour": 2, "minute": 59}
